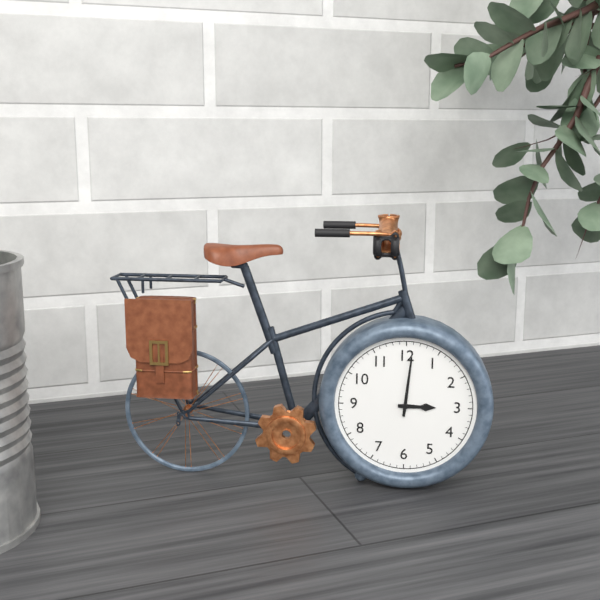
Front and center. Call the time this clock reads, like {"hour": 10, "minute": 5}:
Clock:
{"hour": 3, "minute": 1}
